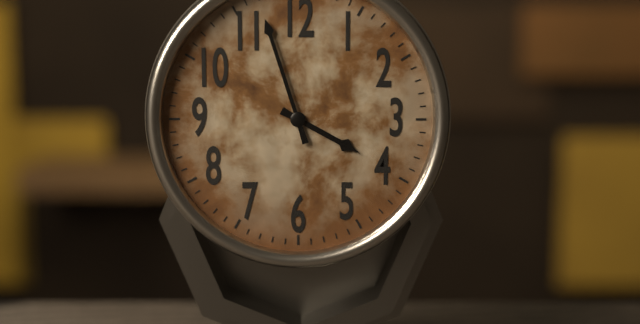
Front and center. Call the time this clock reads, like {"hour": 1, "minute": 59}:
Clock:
{"hour": 3, "minute": 57}
